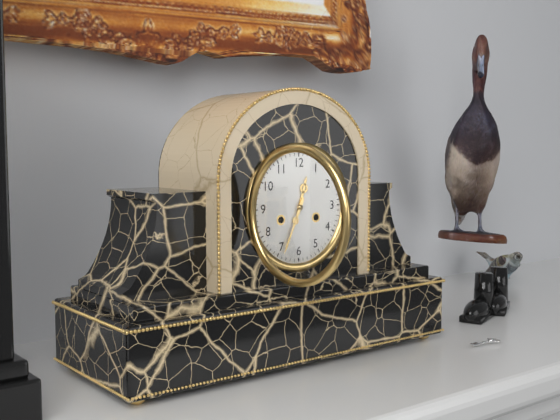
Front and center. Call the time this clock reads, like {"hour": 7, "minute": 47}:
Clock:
{"hour": 12, "minute": 34}
